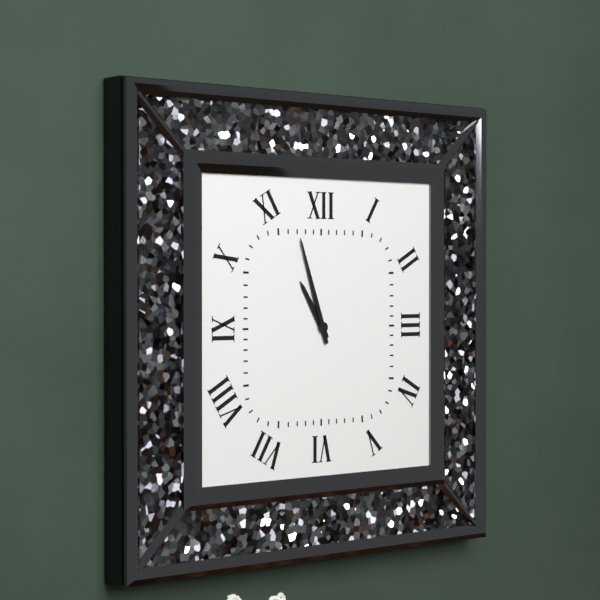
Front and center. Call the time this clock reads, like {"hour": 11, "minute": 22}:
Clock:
{"hour": 10, "minute": 57}
